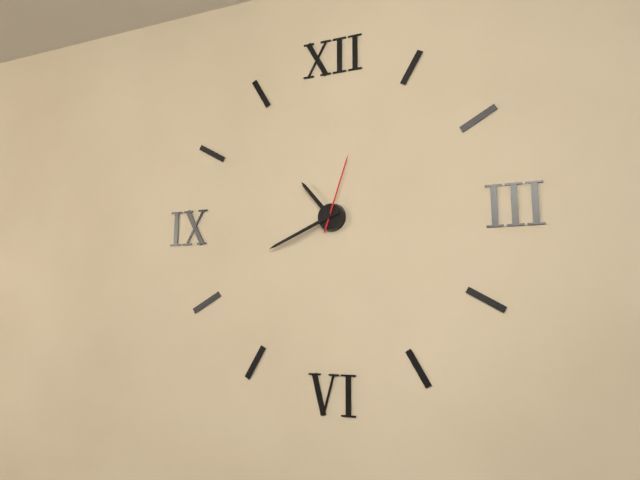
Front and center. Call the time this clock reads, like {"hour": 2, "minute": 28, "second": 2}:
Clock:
{"hour": 10, "minute": 41, "second": 3}
